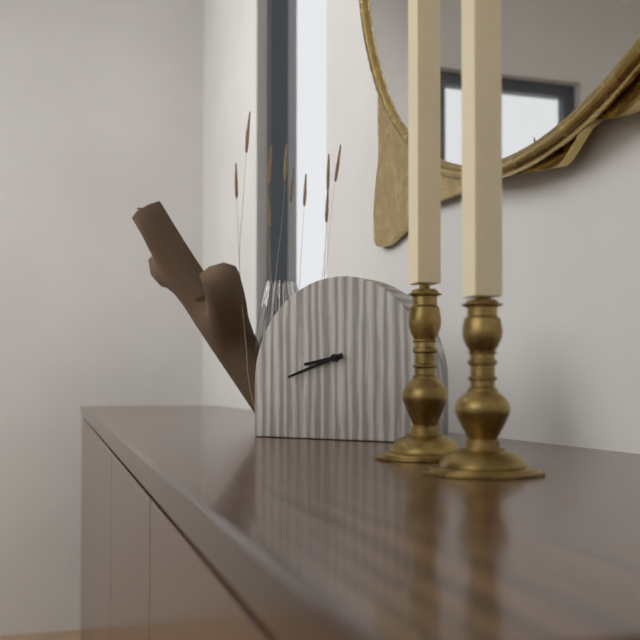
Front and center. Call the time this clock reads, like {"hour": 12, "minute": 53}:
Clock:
{"hour": 8, "minute": 42}
